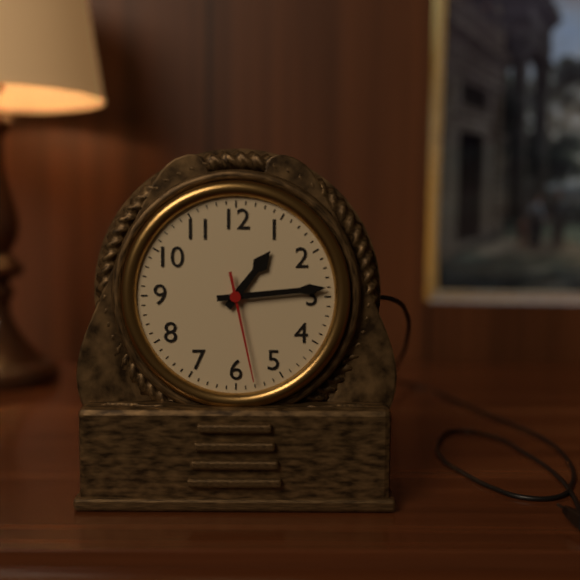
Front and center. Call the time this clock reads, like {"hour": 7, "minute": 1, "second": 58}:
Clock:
{"hour": 1, "minute": 14, "second": 28}
